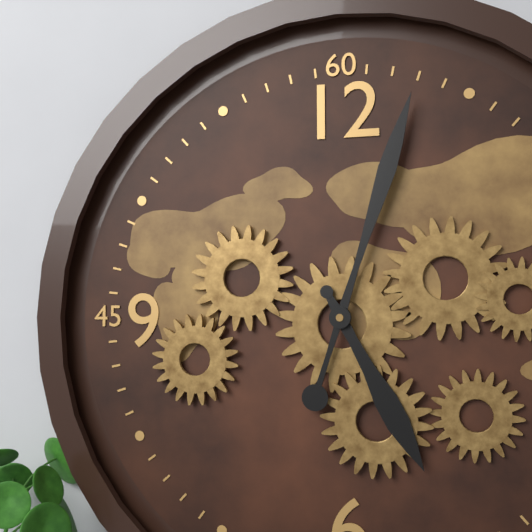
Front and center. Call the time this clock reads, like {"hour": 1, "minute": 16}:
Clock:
{"hour": 5, "minute": 3}
